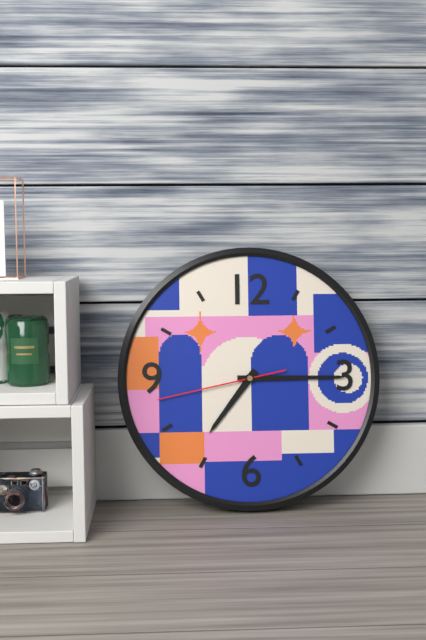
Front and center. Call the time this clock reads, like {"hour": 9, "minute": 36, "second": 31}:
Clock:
{"hour": 7, "minute": 15, "second": 43}
